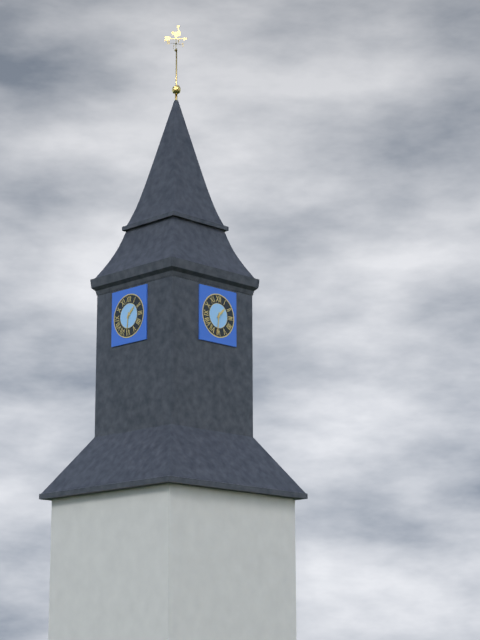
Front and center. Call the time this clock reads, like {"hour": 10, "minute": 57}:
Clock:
{"hour": 1, "minute": 31}
